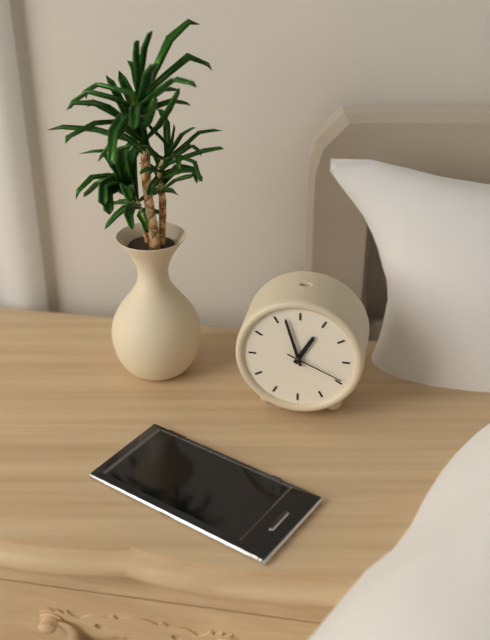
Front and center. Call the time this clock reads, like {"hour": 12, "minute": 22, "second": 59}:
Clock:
{"hour": 12, "minute": 57, "second": 19}
